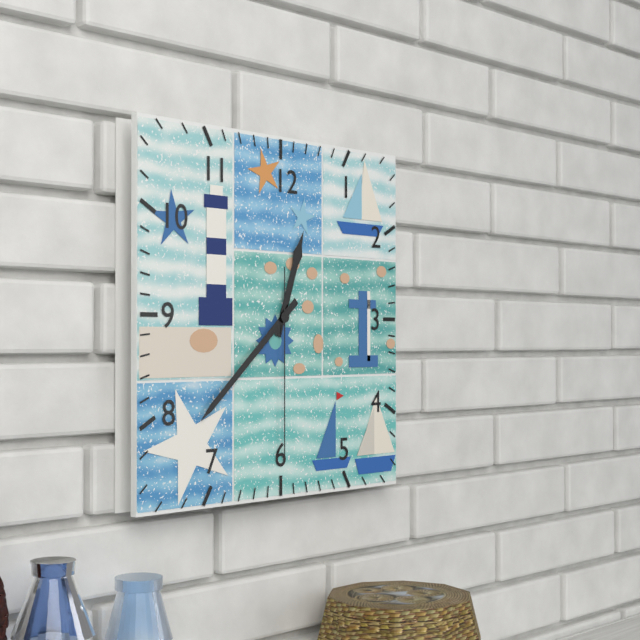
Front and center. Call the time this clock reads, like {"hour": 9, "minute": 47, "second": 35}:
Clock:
{"hour": 12, "minute": 38, "second": 30}
